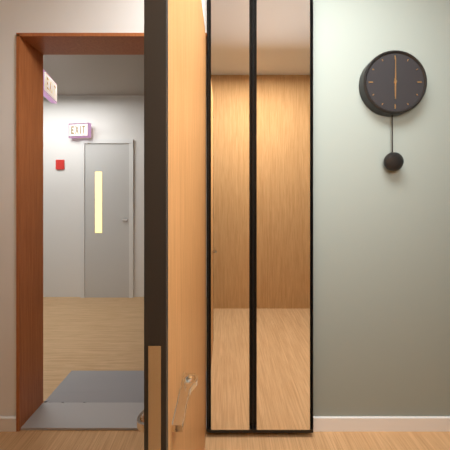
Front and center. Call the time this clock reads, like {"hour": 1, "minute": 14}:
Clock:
{"hour": 6, "minute": 0}
